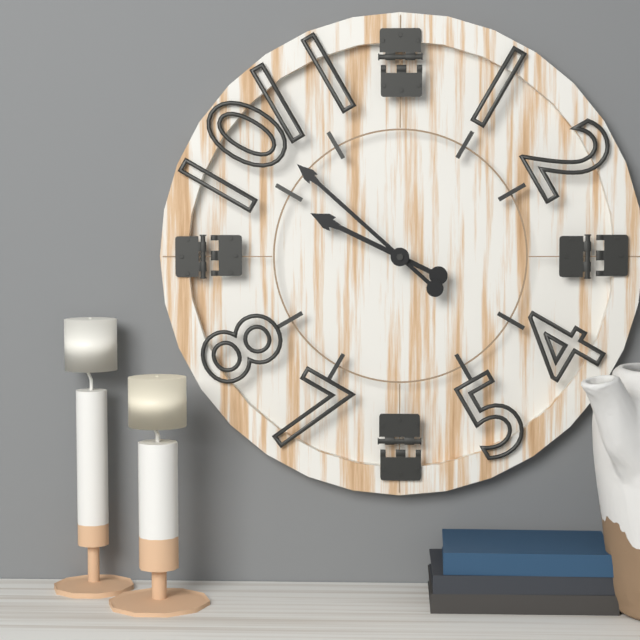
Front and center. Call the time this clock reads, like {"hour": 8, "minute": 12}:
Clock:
{"hour": 9, "minute": 52}
